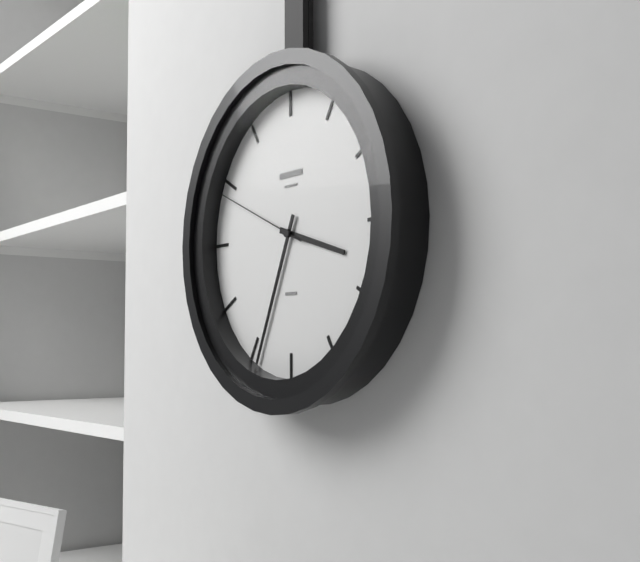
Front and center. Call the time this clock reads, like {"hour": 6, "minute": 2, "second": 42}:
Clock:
{"hour": 3, "minute": 34, "second": 49}
